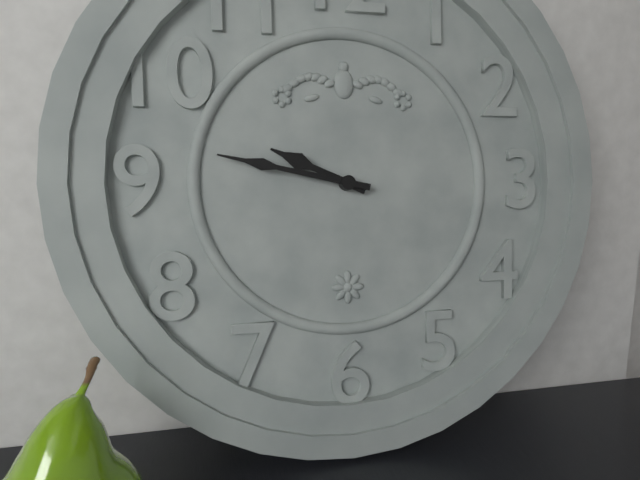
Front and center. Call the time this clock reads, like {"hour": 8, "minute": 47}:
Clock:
{"hour": 9, "minute": 47}
